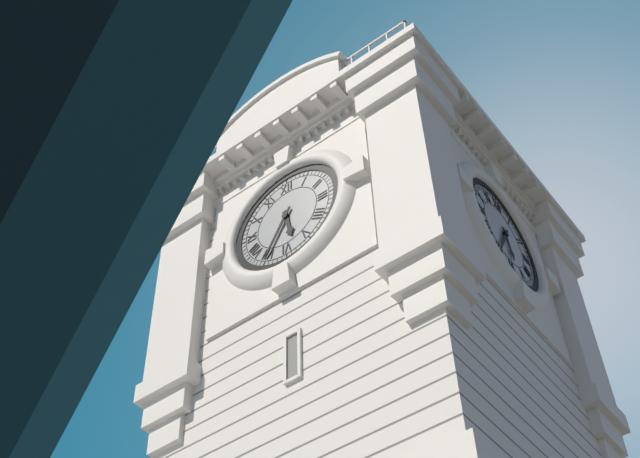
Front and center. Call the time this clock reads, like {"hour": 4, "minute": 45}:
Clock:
{"hour": 5, "minute": 35}
